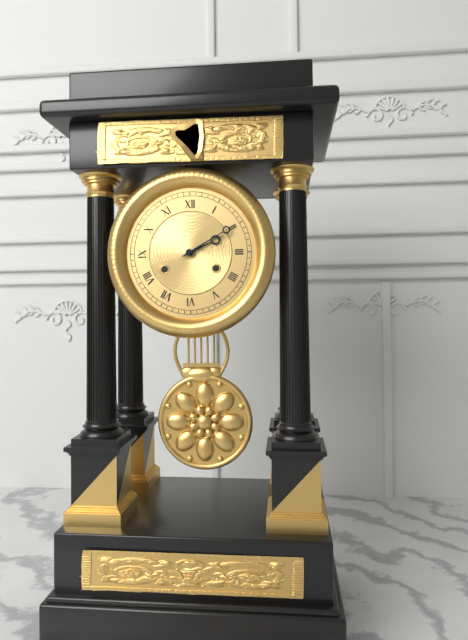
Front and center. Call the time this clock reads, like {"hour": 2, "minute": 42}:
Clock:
{"hour": 2, "minute": 10}
